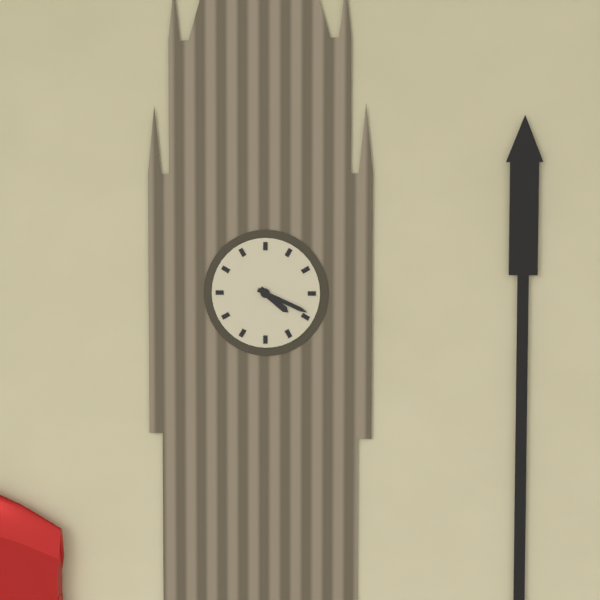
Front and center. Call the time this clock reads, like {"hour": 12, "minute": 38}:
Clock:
{"hour": 4, "minute": 19}
